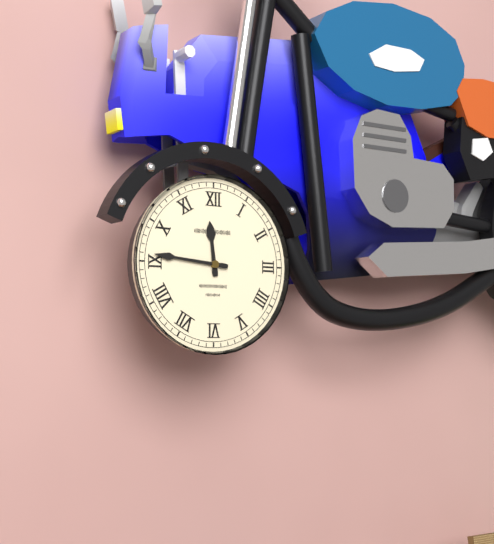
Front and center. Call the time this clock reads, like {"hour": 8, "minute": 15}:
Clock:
{"hour": 11, "minute": 46}
